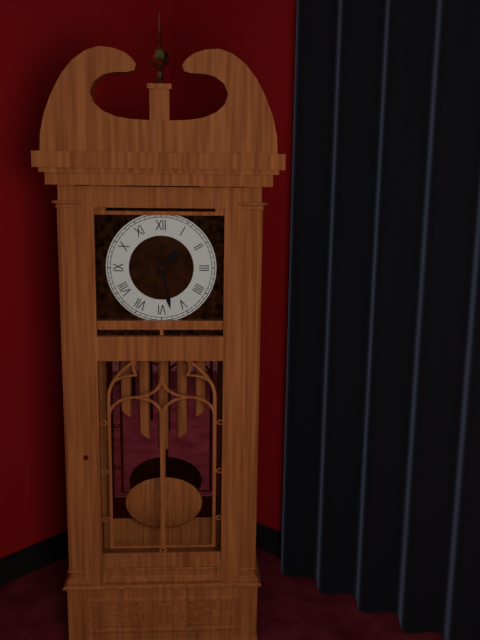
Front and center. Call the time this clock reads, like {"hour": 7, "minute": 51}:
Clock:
{"hour": 1, "minute": 28}
